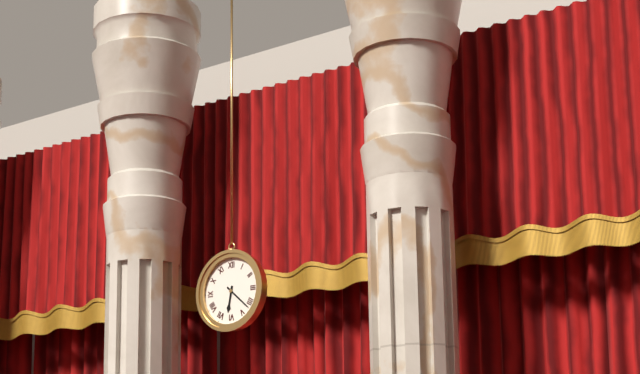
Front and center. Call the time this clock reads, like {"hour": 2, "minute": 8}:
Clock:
{"hour": 6, "minute": 22}
